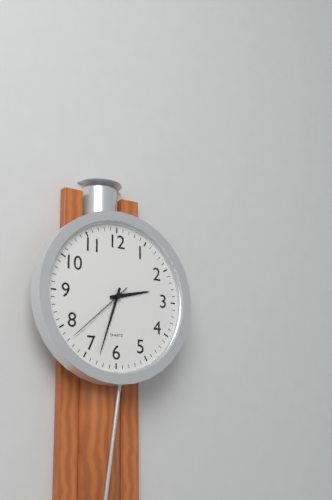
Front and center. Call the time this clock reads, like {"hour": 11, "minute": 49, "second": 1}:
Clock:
{"hour": 2, "minute": 33, "second": 38}
